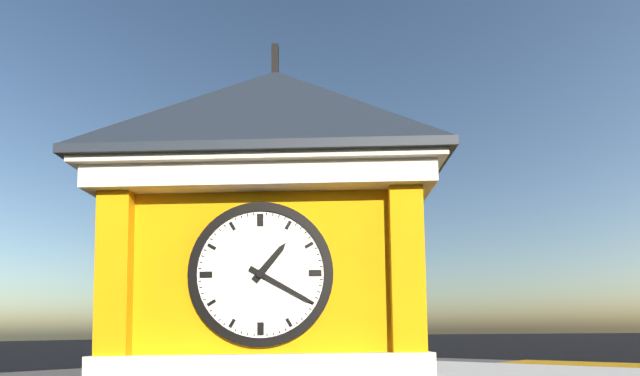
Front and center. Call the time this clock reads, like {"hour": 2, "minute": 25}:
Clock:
{"hour": 1, "minute": 20}
